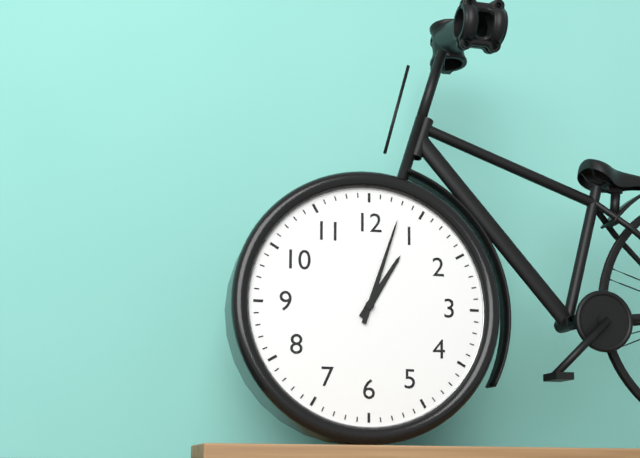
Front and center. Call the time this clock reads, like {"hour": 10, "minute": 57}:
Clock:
{"hour": 1, "minute": 3}
